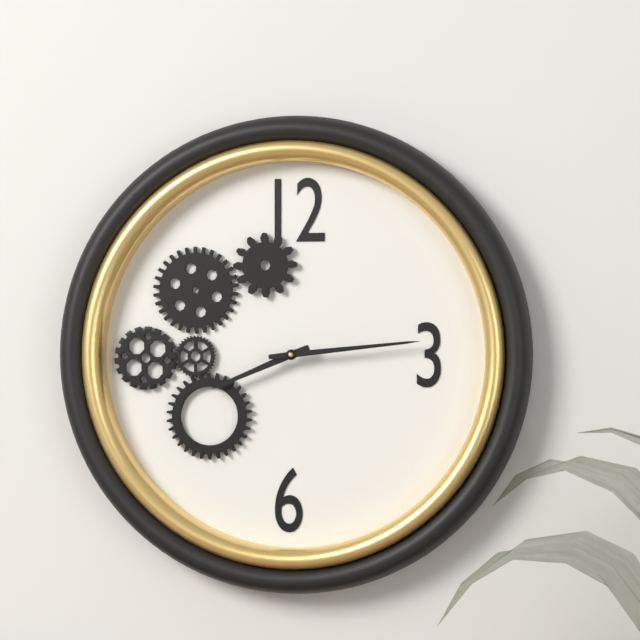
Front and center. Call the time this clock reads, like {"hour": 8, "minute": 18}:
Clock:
{"hour": 8, "minute": 14}
